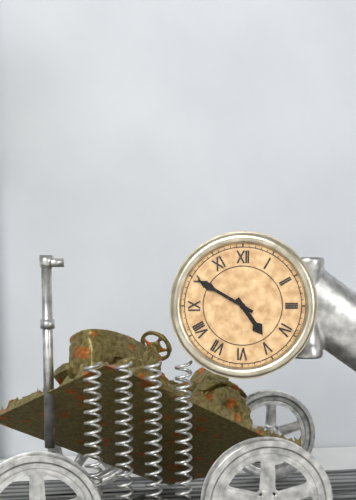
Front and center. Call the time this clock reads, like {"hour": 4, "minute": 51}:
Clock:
{"hour": 4, "minute": 50}
